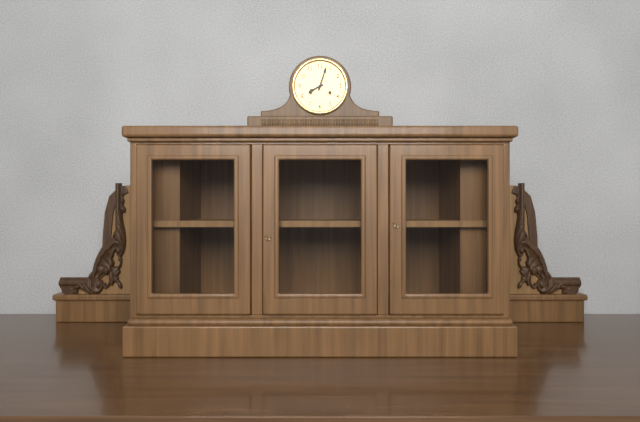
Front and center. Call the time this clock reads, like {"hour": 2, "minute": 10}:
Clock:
{"hour": 8, "minute": 3}
